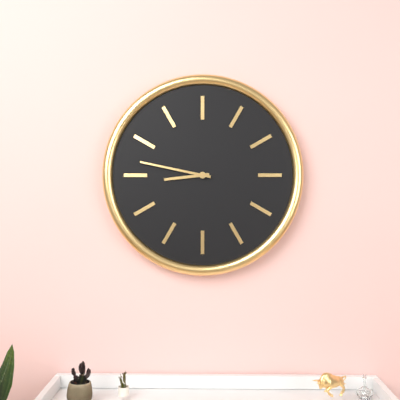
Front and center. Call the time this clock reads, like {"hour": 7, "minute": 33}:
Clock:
{"hour": 8, "minute": 47}
